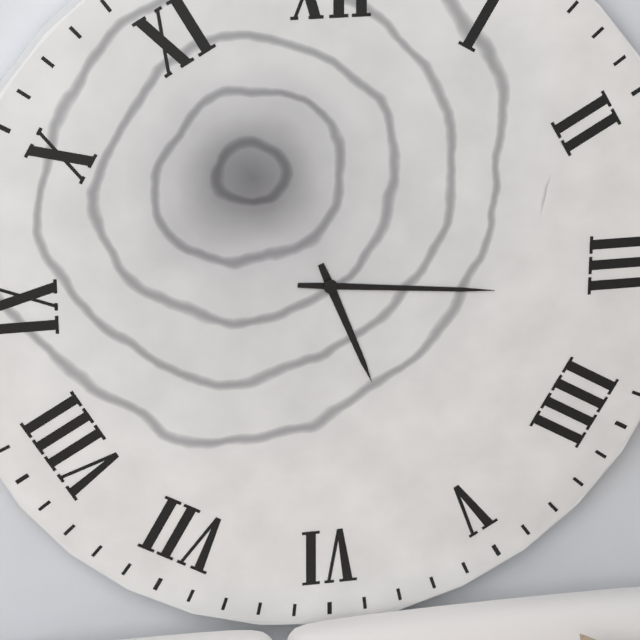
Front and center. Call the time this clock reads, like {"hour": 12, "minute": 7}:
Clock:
{"hour": 5, "minute": 16}
